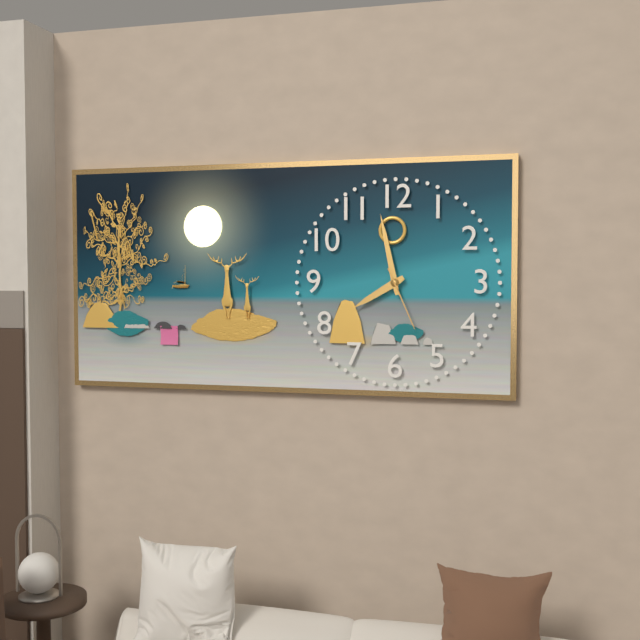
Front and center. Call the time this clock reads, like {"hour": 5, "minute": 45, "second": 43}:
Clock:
{"hour": 7, "minute": 58, "second": 26}
